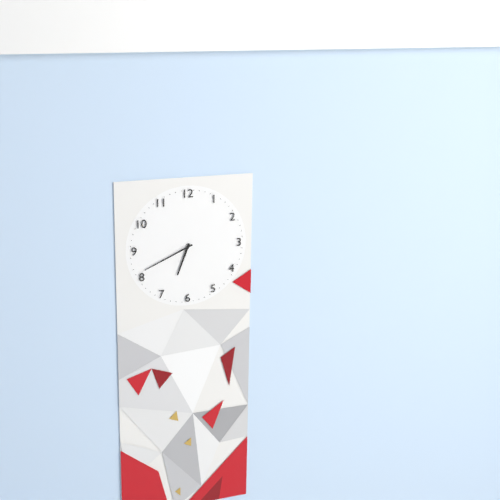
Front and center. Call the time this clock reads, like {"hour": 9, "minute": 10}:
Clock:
{"hour": 6, "minute": 41}
